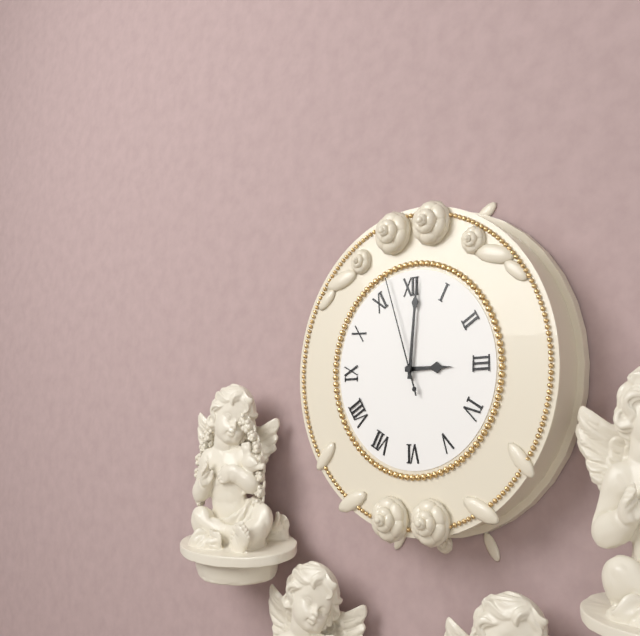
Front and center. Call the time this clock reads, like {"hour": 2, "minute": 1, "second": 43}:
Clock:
{"hour": 3, "minute": 1, "second": 57}
